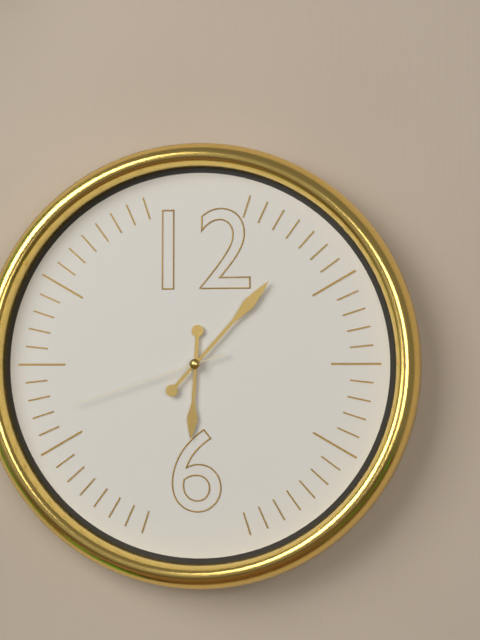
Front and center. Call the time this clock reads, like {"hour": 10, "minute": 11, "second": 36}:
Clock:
{"hour": 6, "minute": 7, "second": 42}
